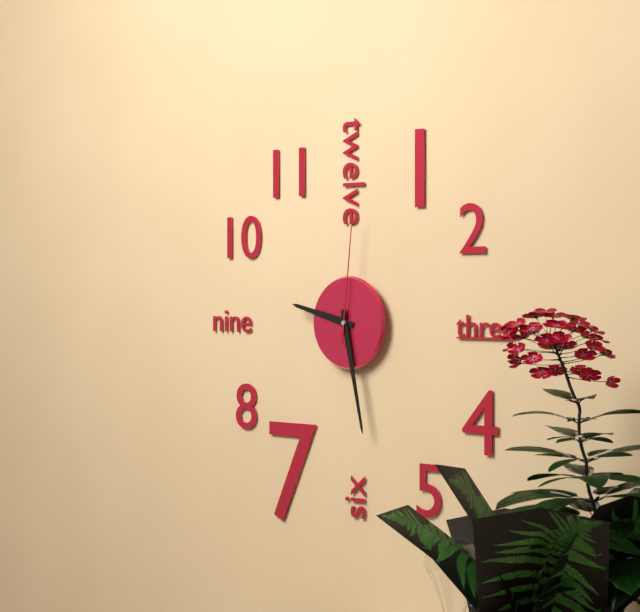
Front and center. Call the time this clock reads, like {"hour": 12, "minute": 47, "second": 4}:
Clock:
{"hour": 9, "minute": 28, "second": 1}
